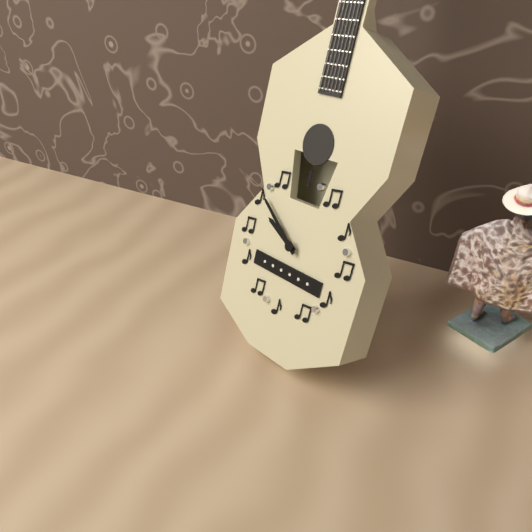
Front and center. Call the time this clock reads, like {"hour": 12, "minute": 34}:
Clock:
{"hour": 9, "minute": 51}
